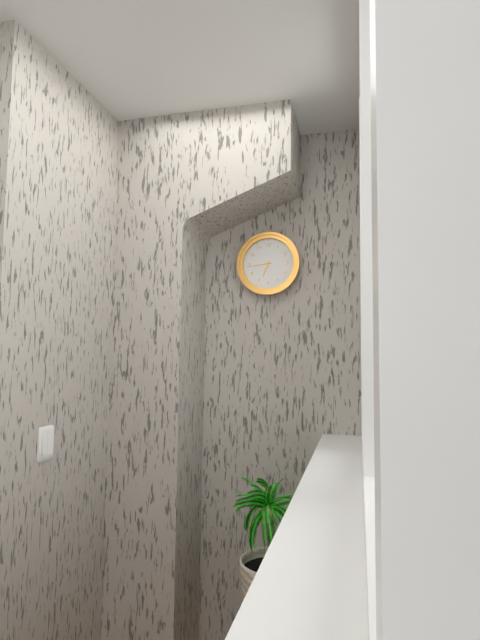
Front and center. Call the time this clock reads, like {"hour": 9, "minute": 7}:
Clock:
{"hour": 6, "minute": 44}
